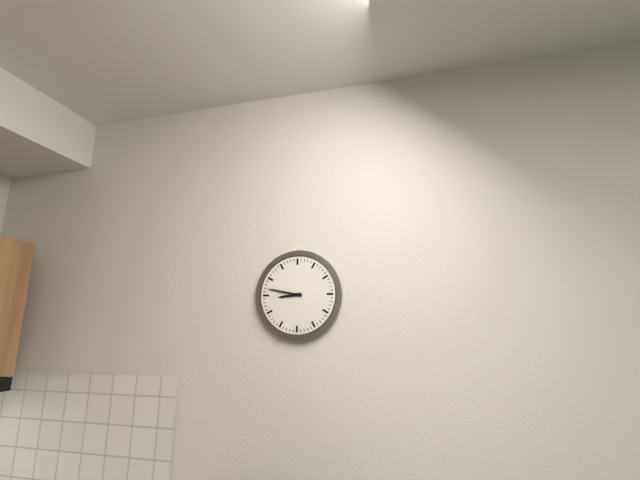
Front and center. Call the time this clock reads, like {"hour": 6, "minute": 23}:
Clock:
{"hour": 8, "minute": 47}
